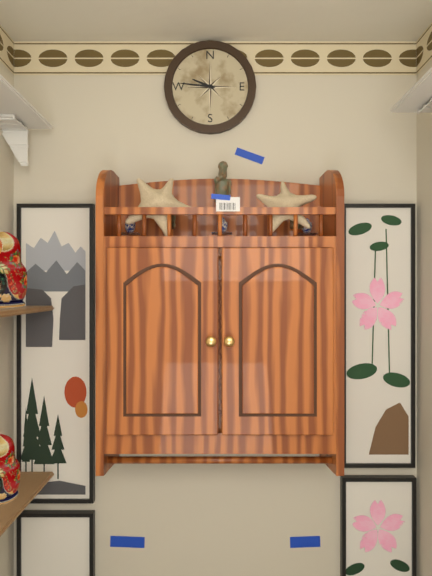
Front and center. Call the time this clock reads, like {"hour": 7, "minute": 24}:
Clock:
{"hour": 9, "minute": 46}
